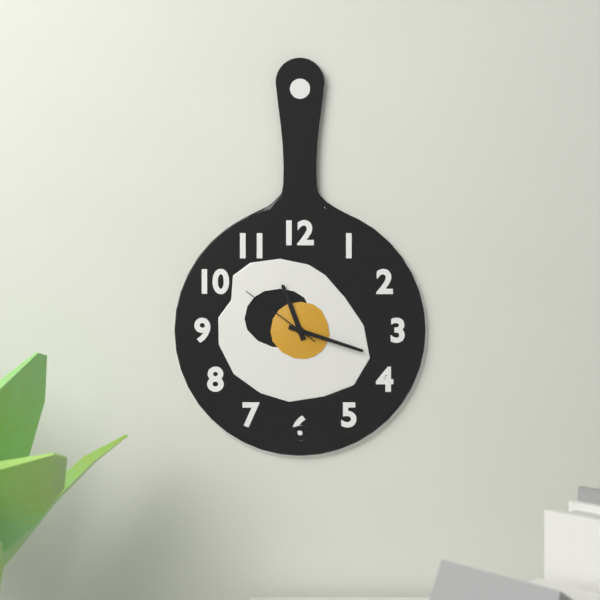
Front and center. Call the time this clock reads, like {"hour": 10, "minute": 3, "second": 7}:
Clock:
{"hour": 11, "minute": 18, "second": 51}
